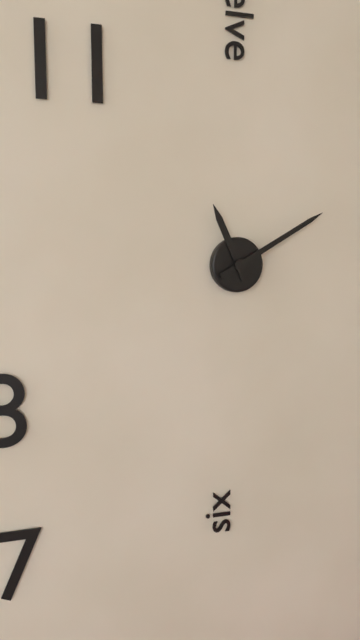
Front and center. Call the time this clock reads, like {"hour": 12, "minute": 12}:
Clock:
{"hour": 11, "minute": 10}
